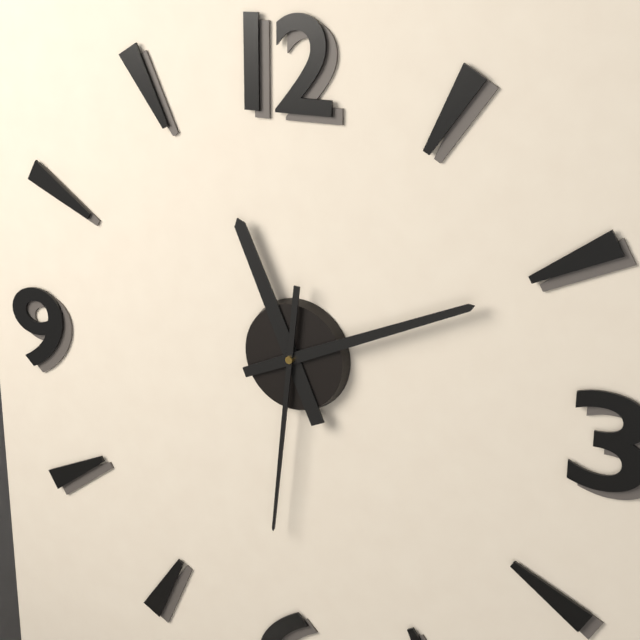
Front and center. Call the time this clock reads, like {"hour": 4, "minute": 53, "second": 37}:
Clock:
{"hour": 11, "minute": 11, "second": 31}
